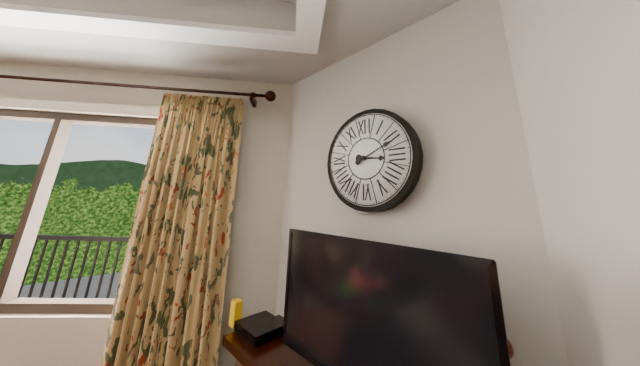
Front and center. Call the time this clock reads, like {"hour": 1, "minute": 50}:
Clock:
{"hour": 3, "minute": 11}
